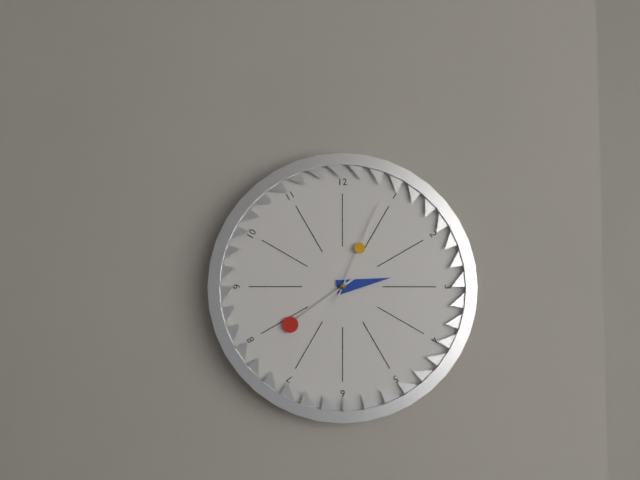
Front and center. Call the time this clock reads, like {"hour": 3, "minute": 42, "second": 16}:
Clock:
{"hour": 2, "minute": 39, "second": 4}
